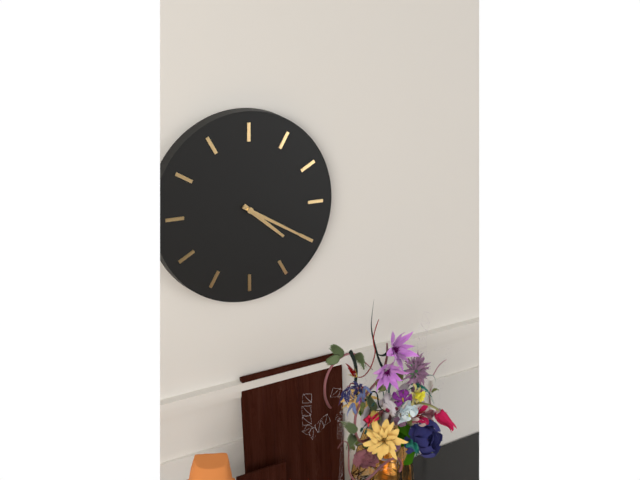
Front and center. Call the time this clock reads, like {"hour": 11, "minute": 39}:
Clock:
{"hour": 4, "minute": 20}
